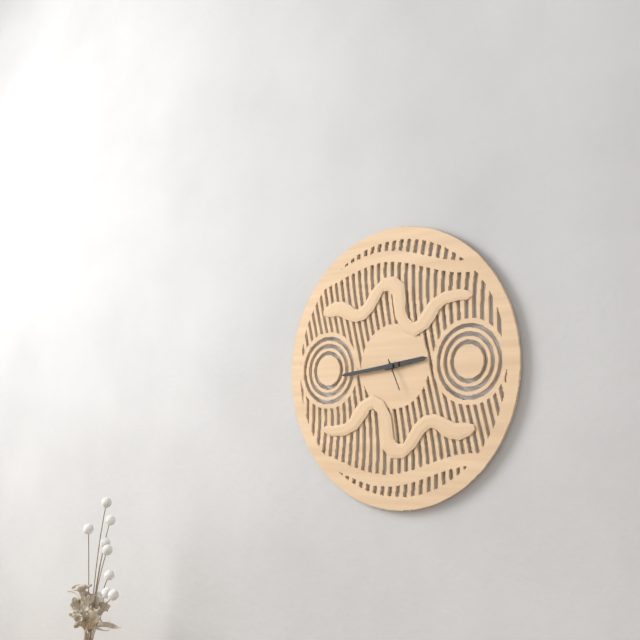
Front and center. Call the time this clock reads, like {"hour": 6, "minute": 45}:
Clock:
{"hour": 2, "minute": 44}
